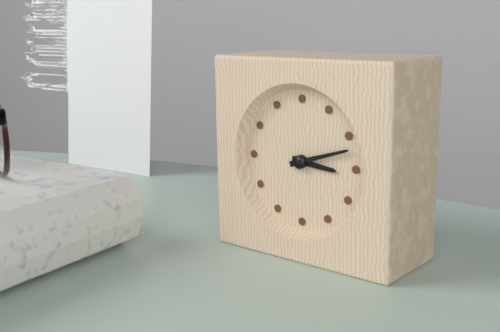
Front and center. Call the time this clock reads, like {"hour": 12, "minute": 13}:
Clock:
{"hour": 3, "minute": 12}
